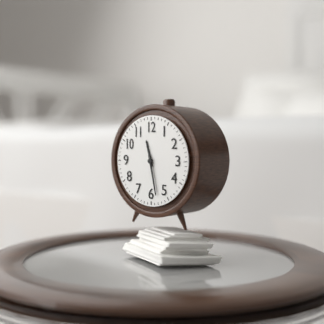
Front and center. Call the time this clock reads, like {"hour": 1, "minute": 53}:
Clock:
{"hour": 11, "minute": 28}
